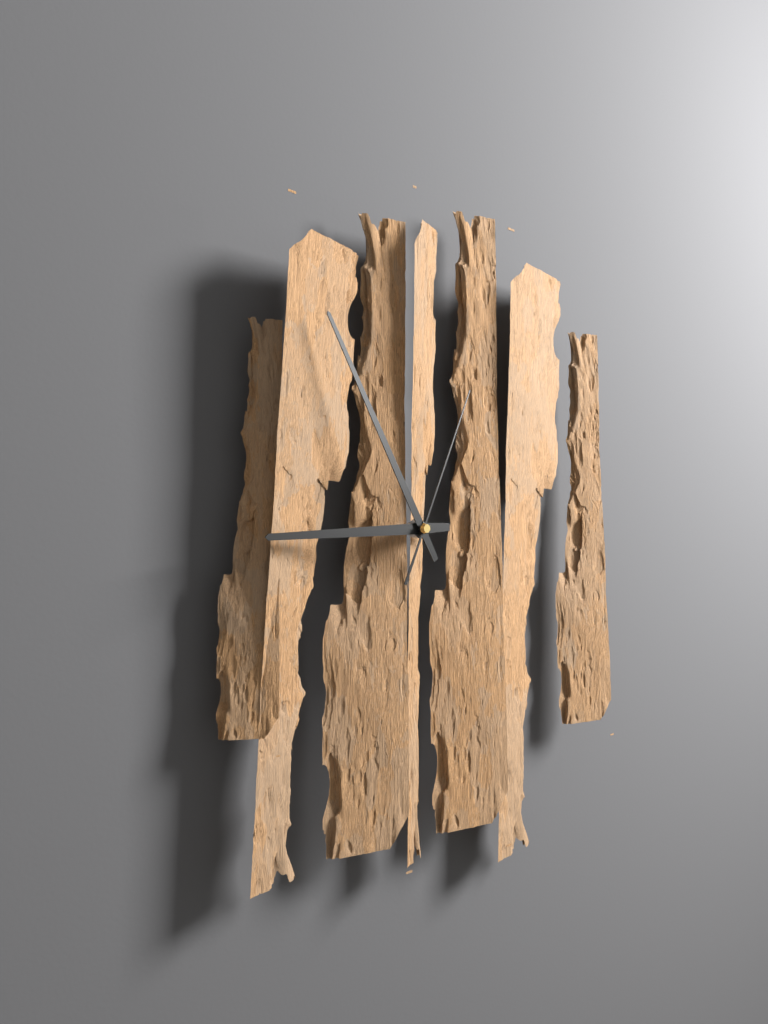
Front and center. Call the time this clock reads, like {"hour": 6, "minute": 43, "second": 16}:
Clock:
{"hour": 8, "minute": 55, "second": 4}
